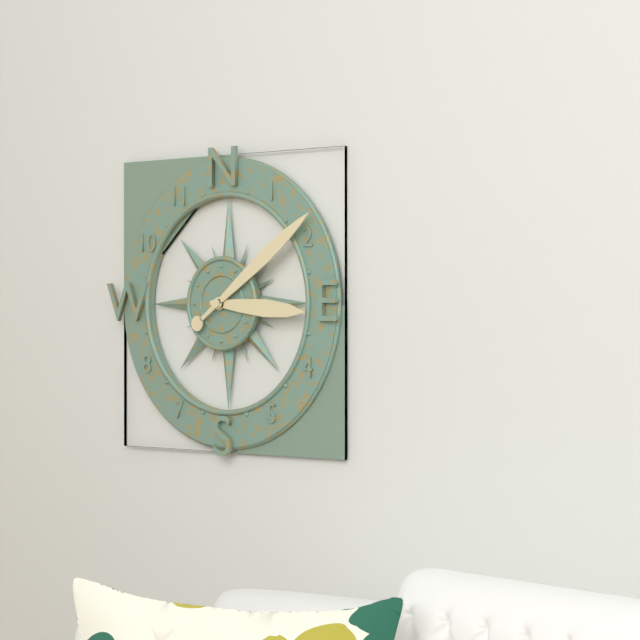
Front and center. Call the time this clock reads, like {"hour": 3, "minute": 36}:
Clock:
{"hour": 3, "minute": 9}
